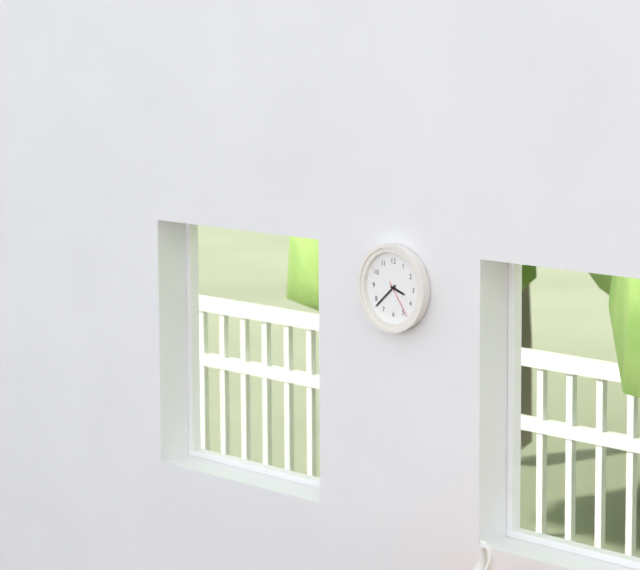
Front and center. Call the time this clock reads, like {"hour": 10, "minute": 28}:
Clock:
{"hour": 3, "minute": 38}
